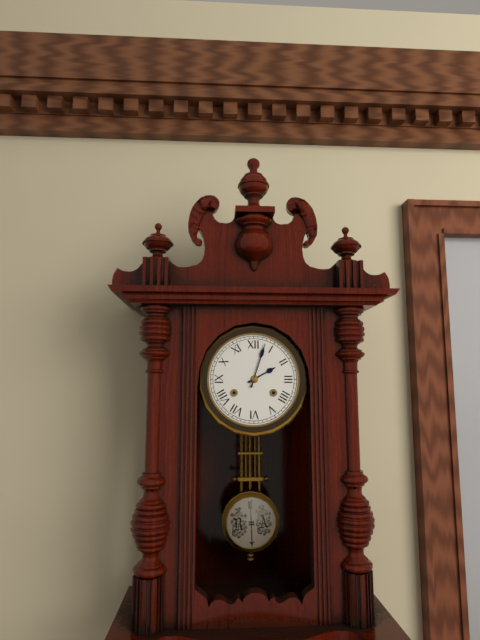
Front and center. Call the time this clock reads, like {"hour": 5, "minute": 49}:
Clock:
{"hour": 2, "minute": 3}
